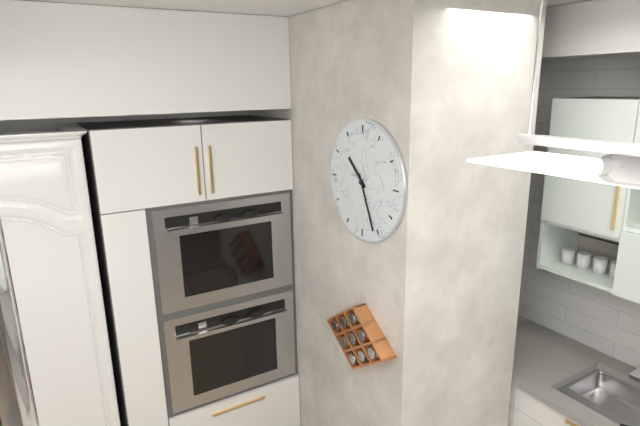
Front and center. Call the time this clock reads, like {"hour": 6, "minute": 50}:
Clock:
{"hour": 10, "minute": 26}
